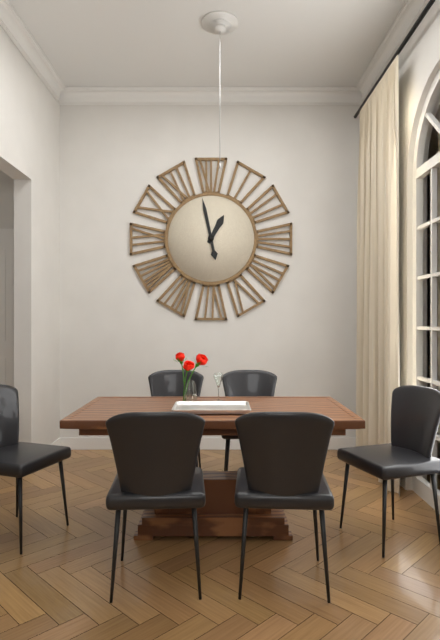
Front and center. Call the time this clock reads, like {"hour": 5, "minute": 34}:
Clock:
{"hour": 12, "minute": 58}
